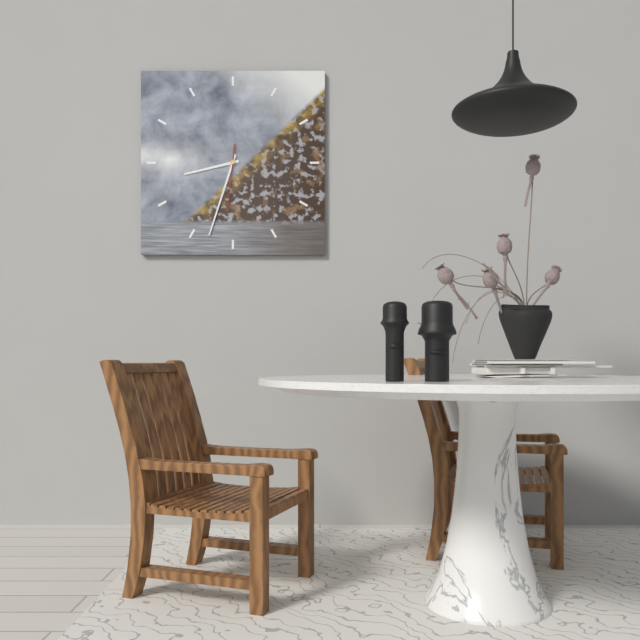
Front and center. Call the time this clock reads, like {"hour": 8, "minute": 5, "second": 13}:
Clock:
{"hour": 8, "minute": 33, "second": 31}
